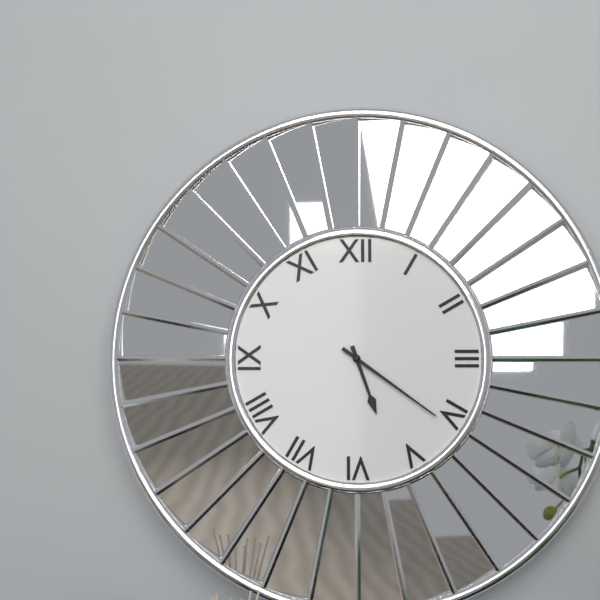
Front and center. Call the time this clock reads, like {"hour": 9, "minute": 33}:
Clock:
{"hour": 5, "minute": 21}
